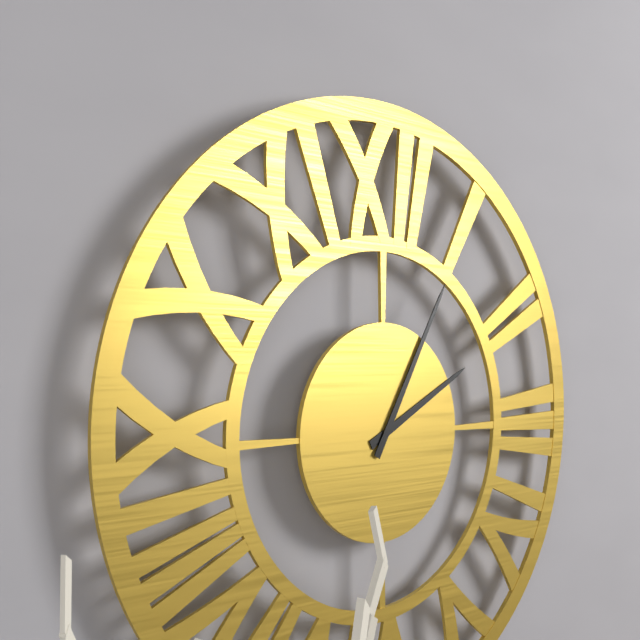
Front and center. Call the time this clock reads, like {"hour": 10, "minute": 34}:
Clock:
{"hour": 2, "minute": 5}
